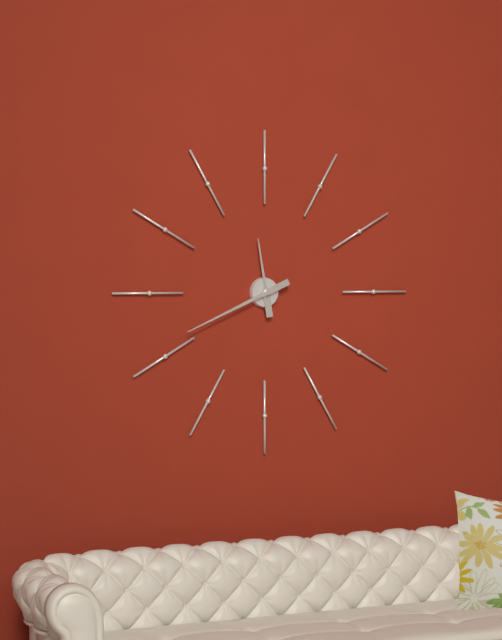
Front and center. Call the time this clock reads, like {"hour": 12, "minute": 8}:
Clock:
{"hour": 11, "minute": 41}
